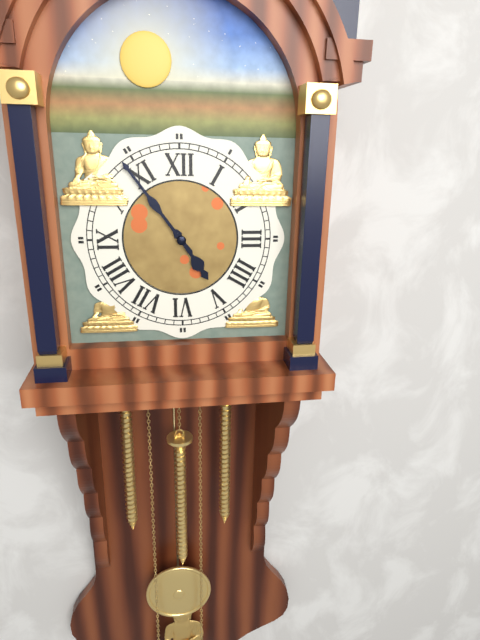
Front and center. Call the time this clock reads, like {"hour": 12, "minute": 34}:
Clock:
{"hour": 4, "minute": 54}
